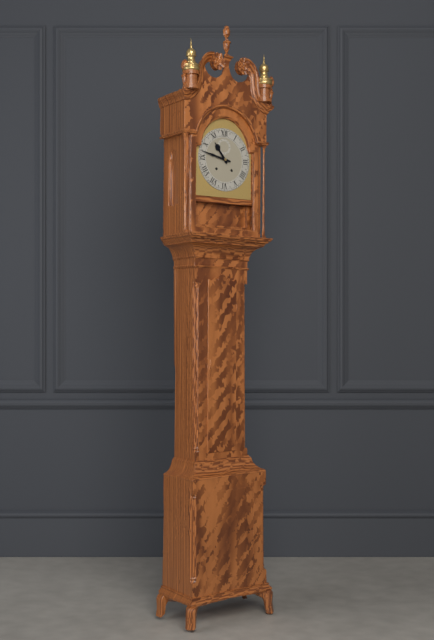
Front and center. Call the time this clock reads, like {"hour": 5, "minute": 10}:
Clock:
{"hour": 10, "minute": 47}
